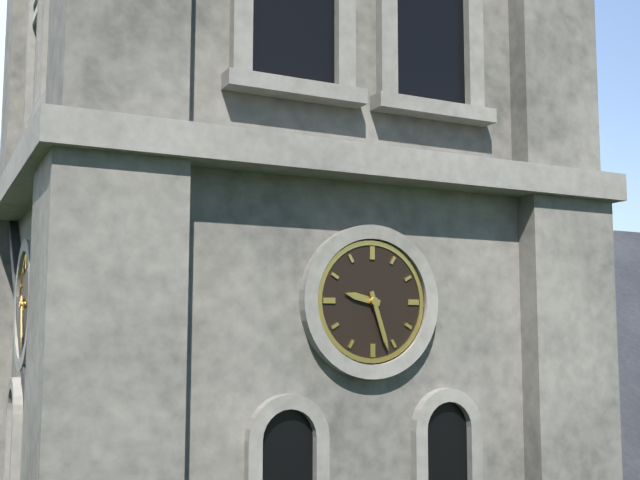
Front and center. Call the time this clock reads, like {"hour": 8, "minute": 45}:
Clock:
{"hour": 9, "minute": 27}
